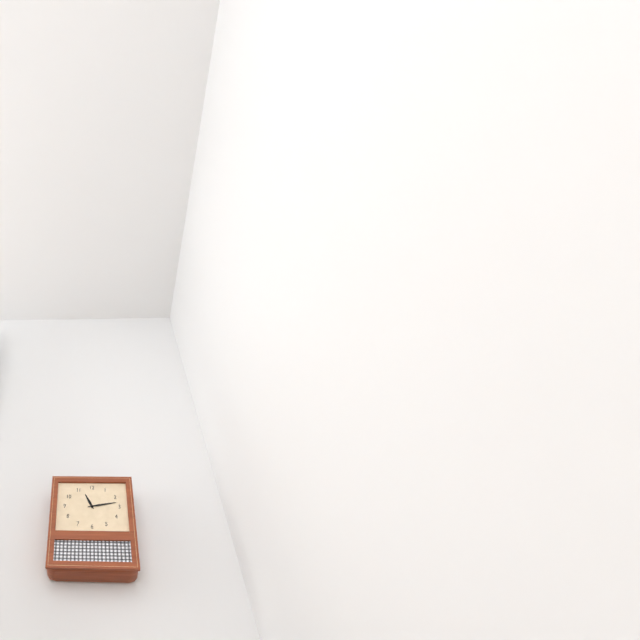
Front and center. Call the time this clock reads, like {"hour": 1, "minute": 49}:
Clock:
{"hour": 11, "minute": 13}
